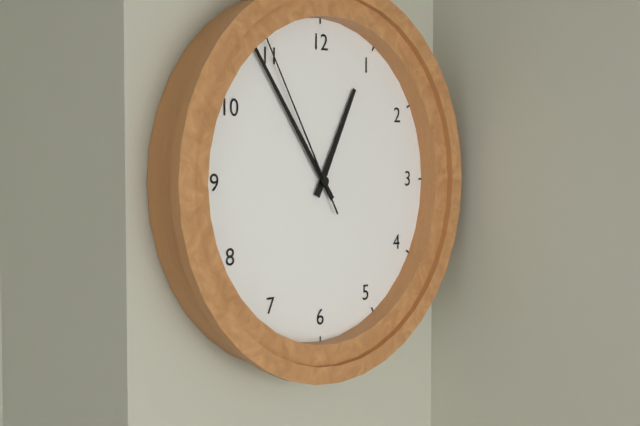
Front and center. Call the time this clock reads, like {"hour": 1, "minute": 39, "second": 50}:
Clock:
{"hour": 12, "minute": 54, "second": 55}
